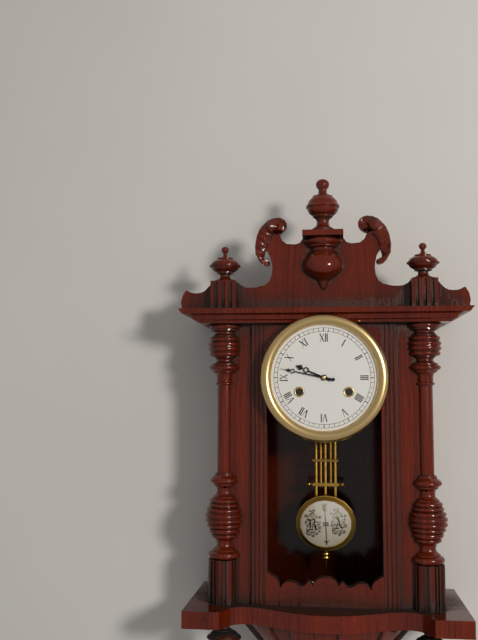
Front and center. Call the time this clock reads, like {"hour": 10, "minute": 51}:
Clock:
{"hour": 9, "minute": 47}
